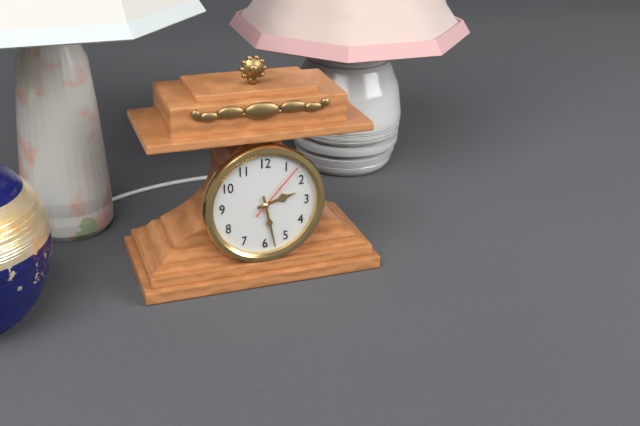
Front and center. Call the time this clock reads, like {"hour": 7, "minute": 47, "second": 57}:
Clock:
{"hour": 2, "minute": 28, "second": 7}
